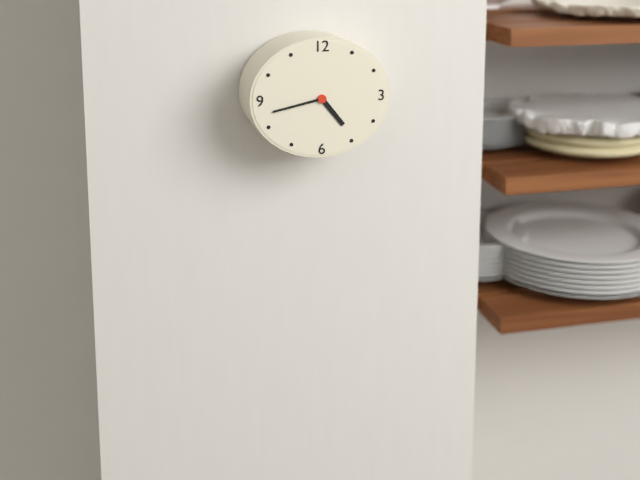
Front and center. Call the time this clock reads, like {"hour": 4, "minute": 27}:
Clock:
{"hour": 4, "minute": 43}
